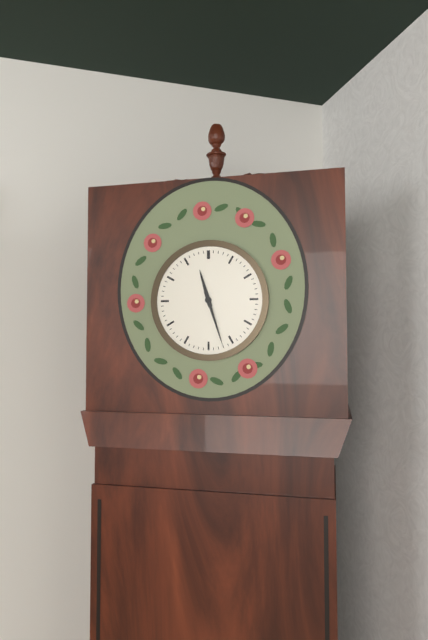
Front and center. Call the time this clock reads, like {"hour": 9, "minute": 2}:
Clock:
{"hour": 11, "minute": 27}
